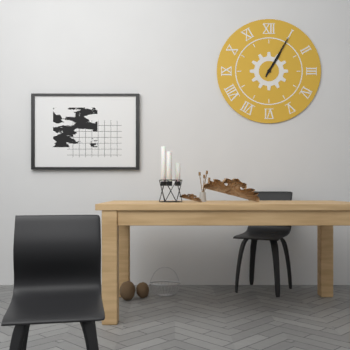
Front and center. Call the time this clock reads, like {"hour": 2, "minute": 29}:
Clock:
{"hour": 1, "minute": 5}
